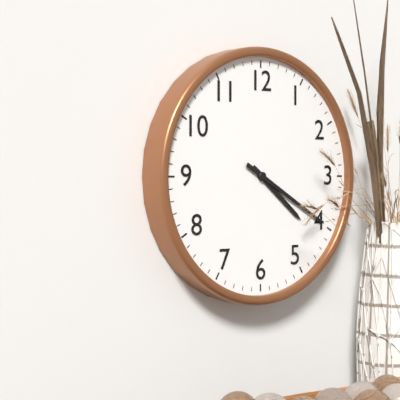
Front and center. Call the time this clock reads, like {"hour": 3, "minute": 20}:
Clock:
{"hour": 4, "minute": 20}
